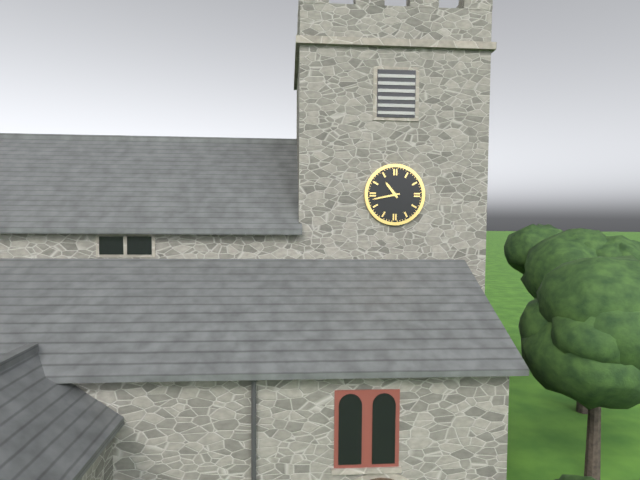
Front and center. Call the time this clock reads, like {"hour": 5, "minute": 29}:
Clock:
{"hour": 10, "minute": 43}
